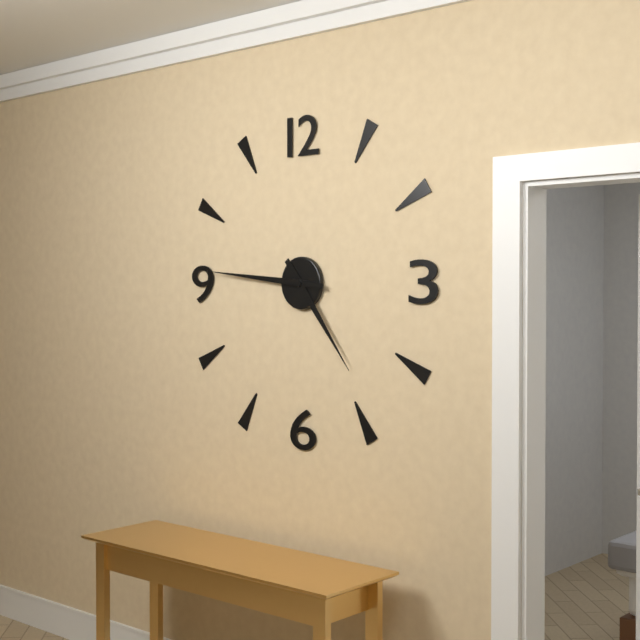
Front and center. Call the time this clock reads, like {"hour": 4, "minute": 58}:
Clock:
{"hour": 4, "minute": 46}
